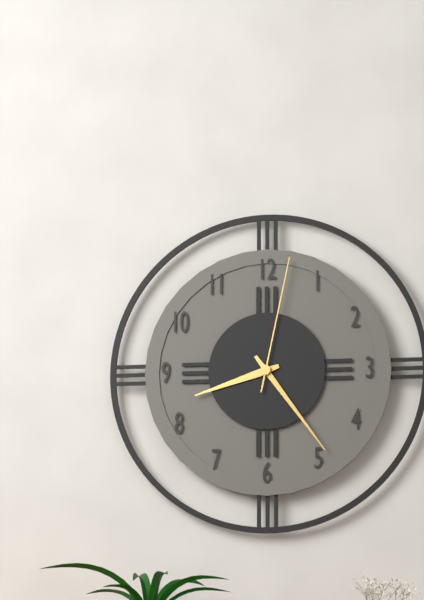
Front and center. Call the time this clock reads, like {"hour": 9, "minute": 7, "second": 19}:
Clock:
{"hour": 8, "minute": 24, "second": 2}
